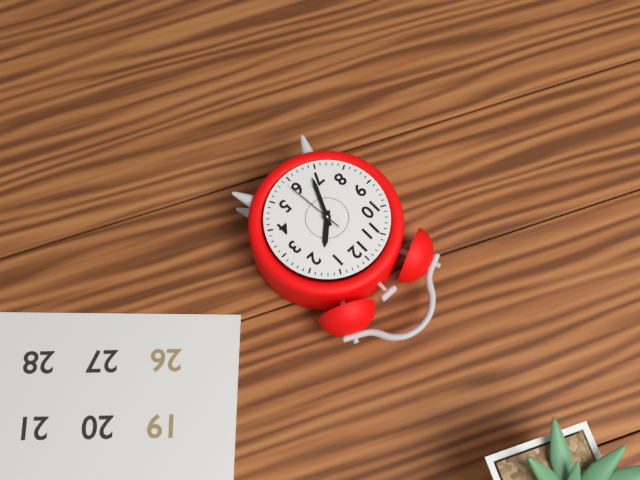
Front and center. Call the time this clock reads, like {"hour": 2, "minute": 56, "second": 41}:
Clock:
{"hour": 1, "minute": 34, "second": 29}
